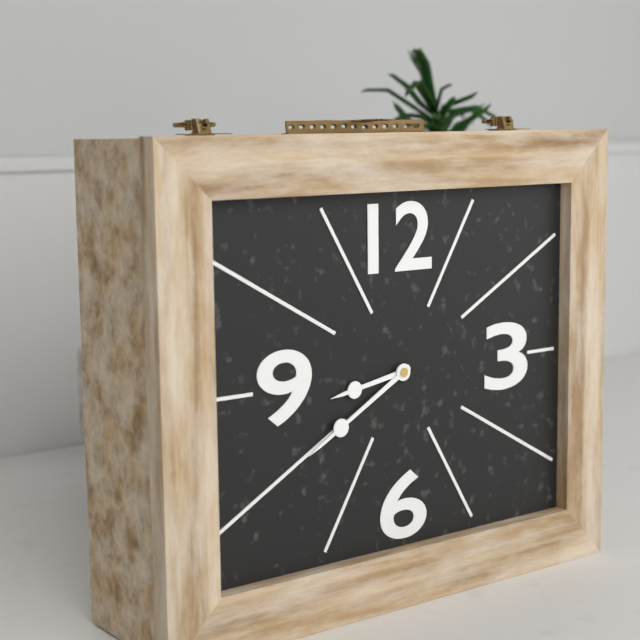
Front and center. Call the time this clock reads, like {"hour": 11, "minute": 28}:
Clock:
{"hour": 8, "minute": 40}
